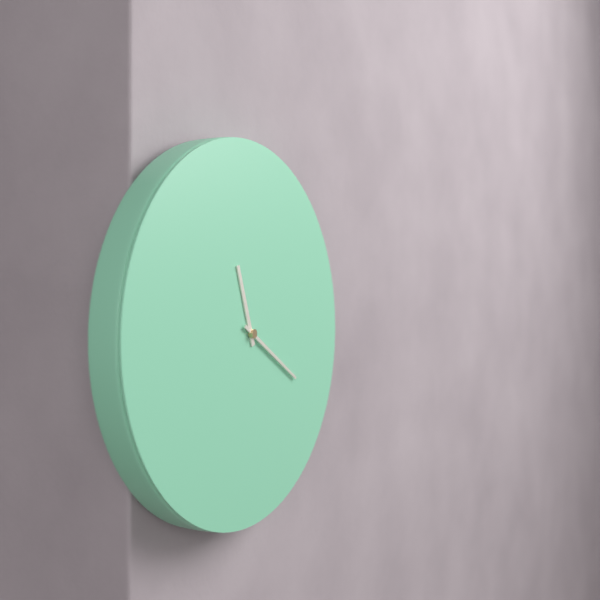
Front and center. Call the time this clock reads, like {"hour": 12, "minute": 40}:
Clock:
{"hour": 11, "minute": 20}
